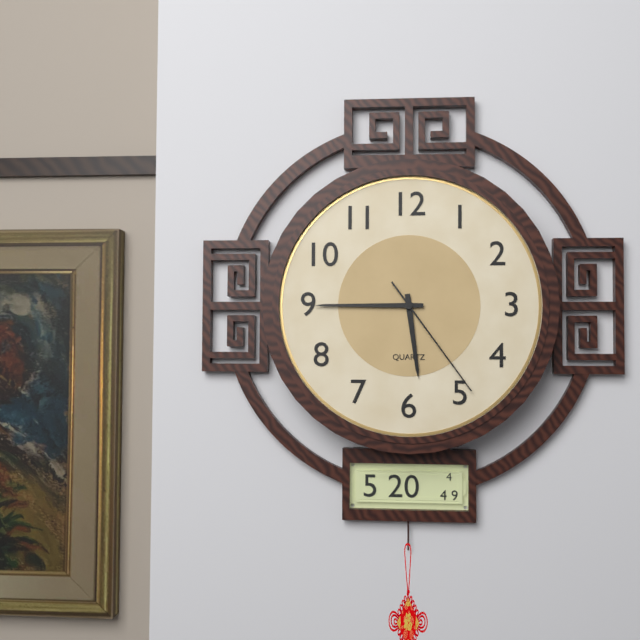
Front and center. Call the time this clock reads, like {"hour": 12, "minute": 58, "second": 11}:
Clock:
{"hour": 5, "minute": 45, "second": 24}
